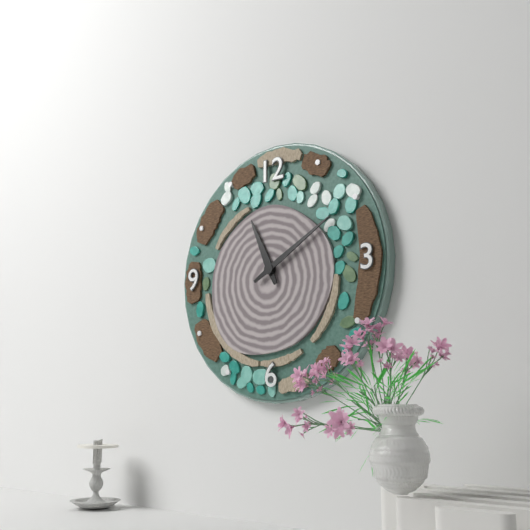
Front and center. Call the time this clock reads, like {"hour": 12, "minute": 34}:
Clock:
{"hour": 11, "minute": 10}
